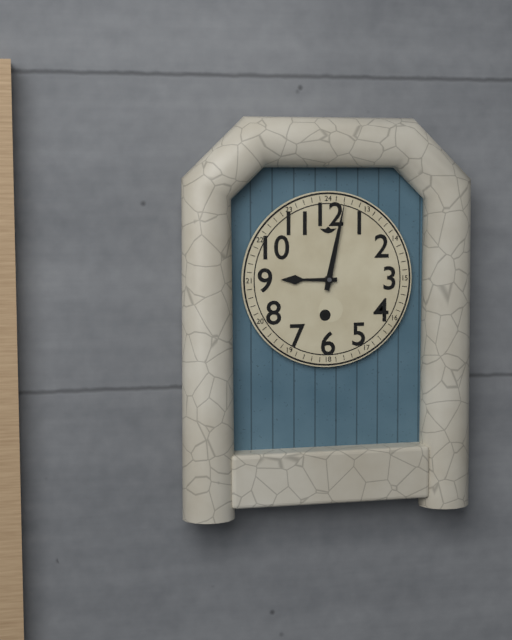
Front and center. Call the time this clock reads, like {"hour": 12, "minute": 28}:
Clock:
{"hour": 9, "minute": 2}
